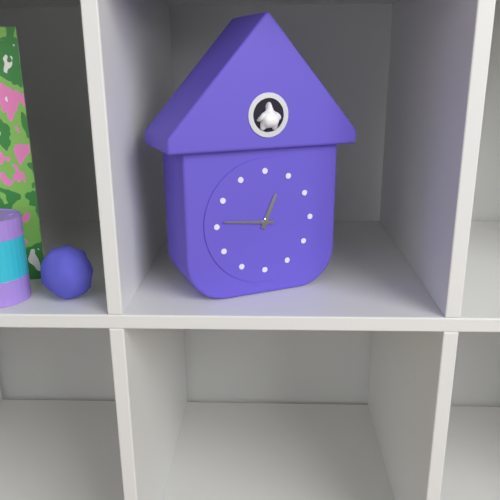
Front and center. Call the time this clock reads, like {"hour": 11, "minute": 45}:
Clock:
{"hour": 12, "minute": 46}
